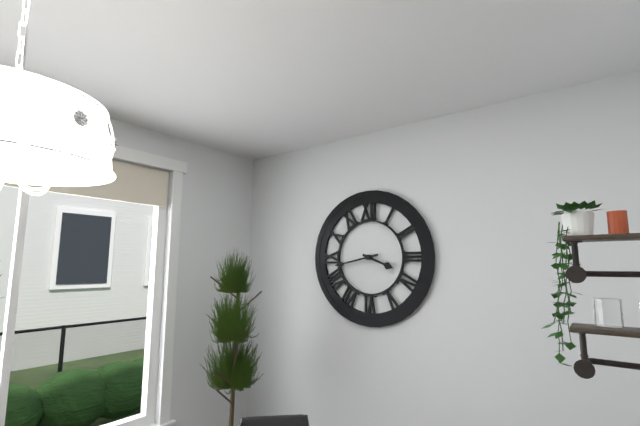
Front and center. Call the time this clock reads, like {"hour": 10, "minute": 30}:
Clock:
{"hour": 3, "minute": 43}
